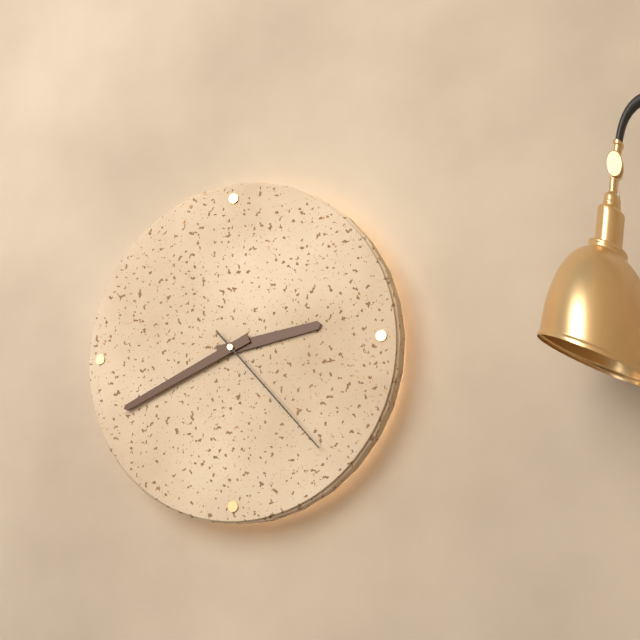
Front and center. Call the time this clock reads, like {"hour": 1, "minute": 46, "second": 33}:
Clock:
{"hour": 2, "minute": 41, "second": 23}
